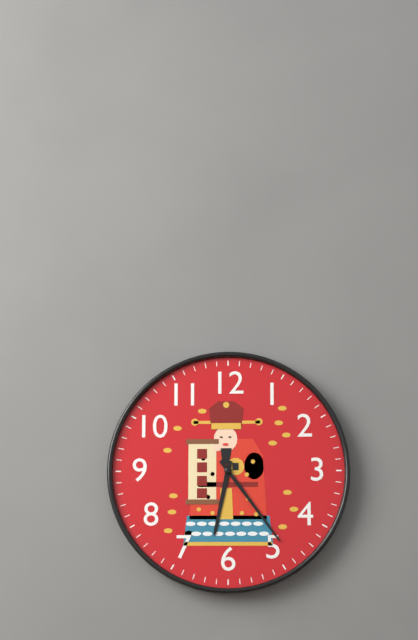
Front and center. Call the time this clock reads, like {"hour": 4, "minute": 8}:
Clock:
{"hour": 6, "minute": 24}
